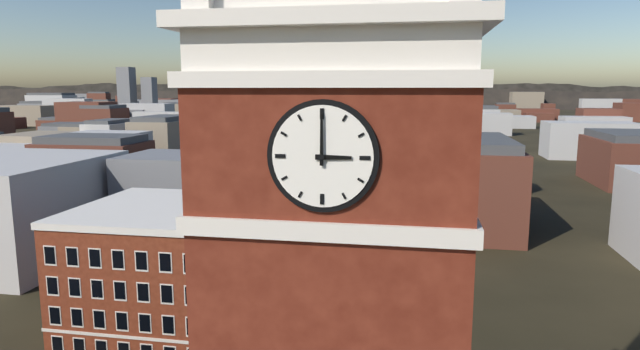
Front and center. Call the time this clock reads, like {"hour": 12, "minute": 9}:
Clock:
{"hour": 3, "minute": 0}
